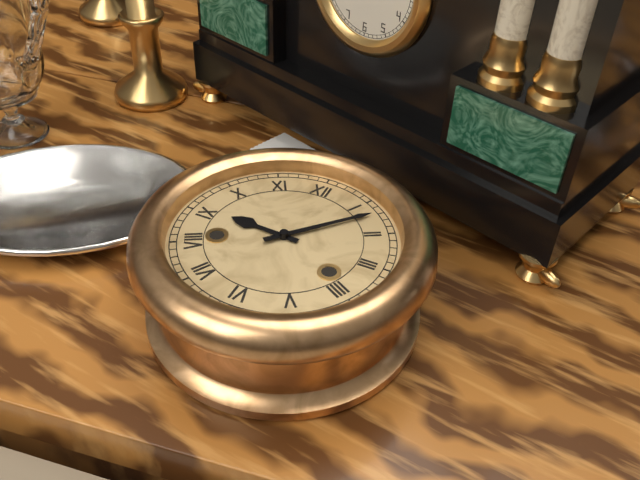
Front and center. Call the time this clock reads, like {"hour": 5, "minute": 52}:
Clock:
{"hour": 9, "minute": 7}
